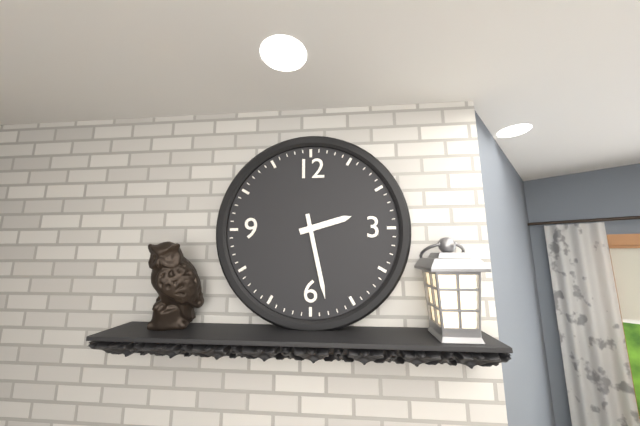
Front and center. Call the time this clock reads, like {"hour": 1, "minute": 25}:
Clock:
{"hour": 2, "minute": 28}
